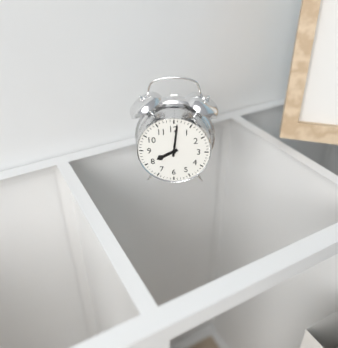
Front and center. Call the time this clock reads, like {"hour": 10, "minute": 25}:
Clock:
{"hour": 8, "minute": 1}
